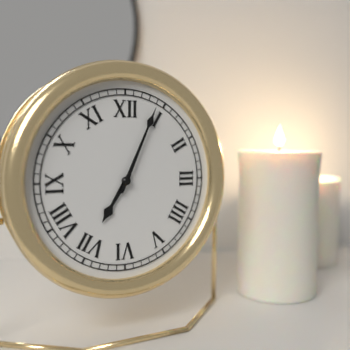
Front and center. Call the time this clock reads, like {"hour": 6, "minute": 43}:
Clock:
{"hour": 7, "minute": 4}
